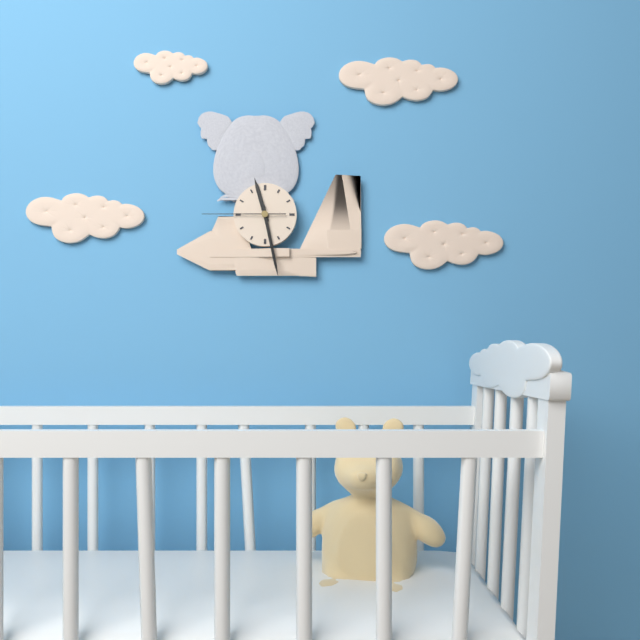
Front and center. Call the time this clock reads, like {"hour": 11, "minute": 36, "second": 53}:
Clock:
{"hour": 11, "minute": 28, "second": 45}
